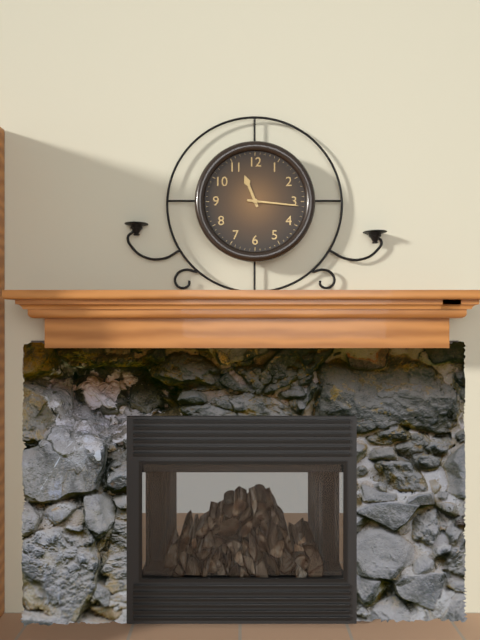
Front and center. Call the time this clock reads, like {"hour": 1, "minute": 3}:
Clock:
{"hour": 11, "minute": 16}
